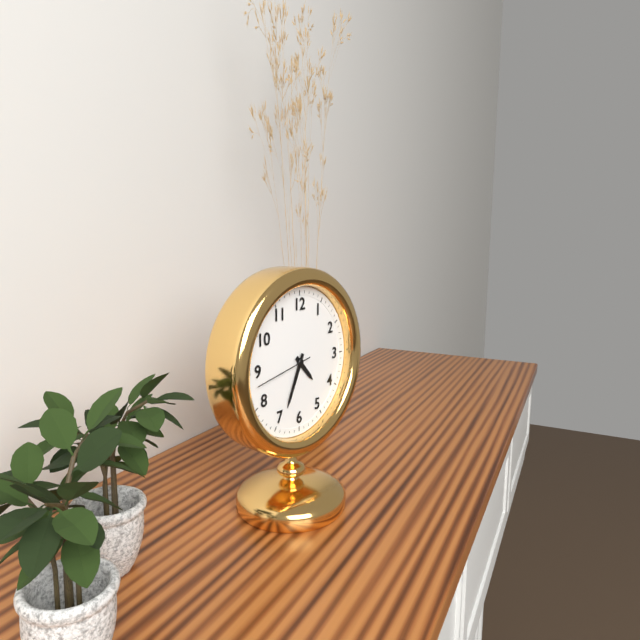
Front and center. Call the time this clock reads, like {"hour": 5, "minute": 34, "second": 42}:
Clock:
{"hour": 4, "minute": 34, "second": 43}
